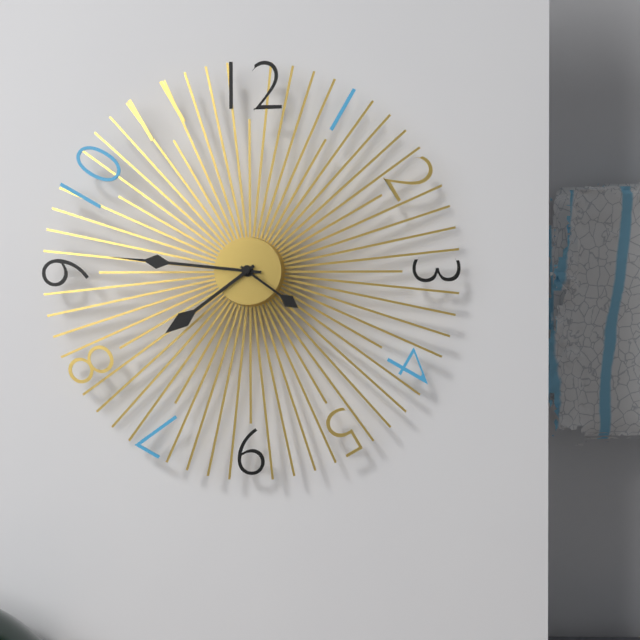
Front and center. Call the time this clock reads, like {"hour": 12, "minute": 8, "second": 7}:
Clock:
{"hour": 7, "minute": 46, "second": 21}
